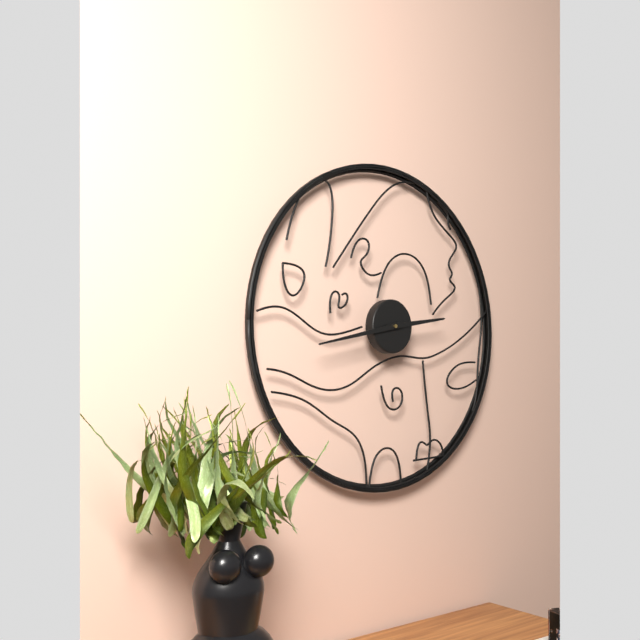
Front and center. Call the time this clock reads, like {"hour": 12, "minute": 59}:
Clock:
{"hour": 2, "minute": 43}
